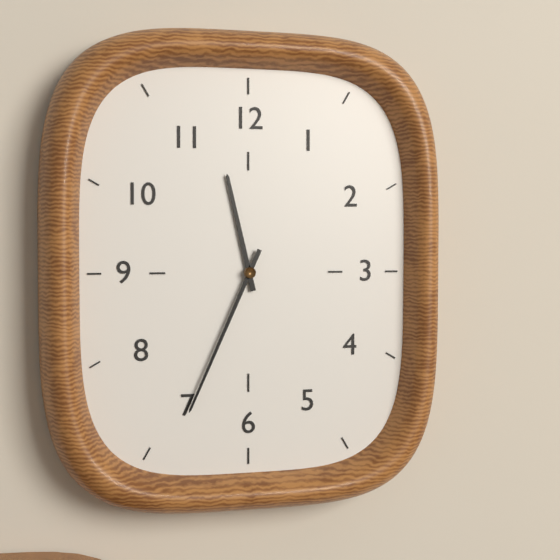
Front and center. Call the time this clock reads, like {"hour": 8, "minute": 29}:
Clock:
{"hour": 11, "minute": 34}
